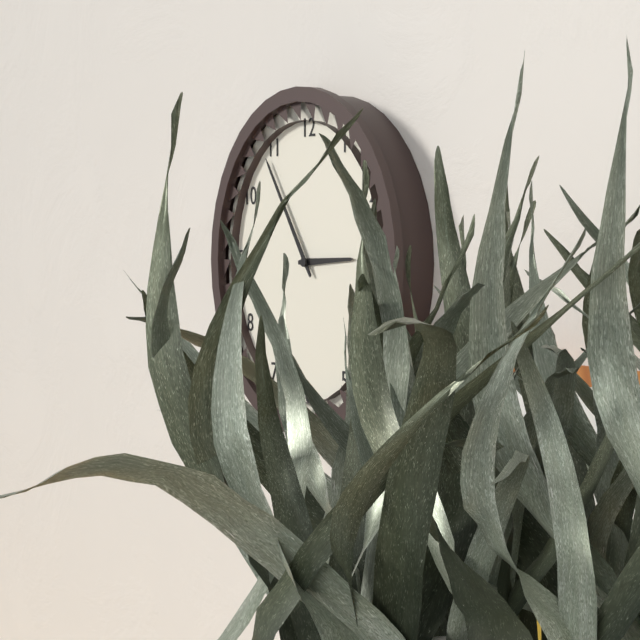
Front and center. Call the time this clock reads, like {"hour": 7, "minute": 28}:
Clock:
{"hour": 2, "minute": 54}
